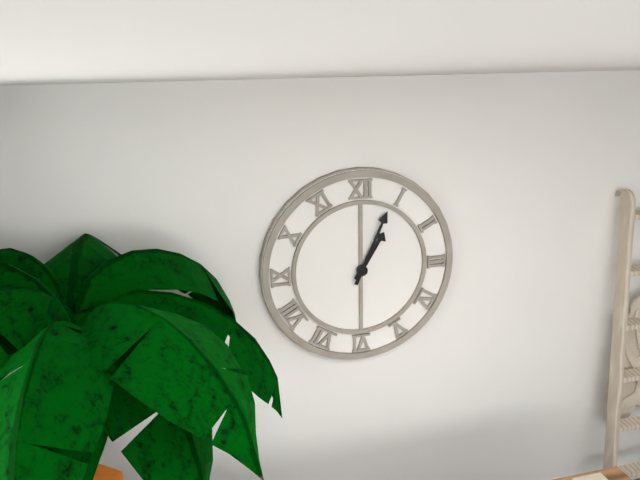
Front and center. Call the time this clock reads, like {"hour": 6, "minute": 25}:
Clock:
{"hour": 1, "minute": 4}
